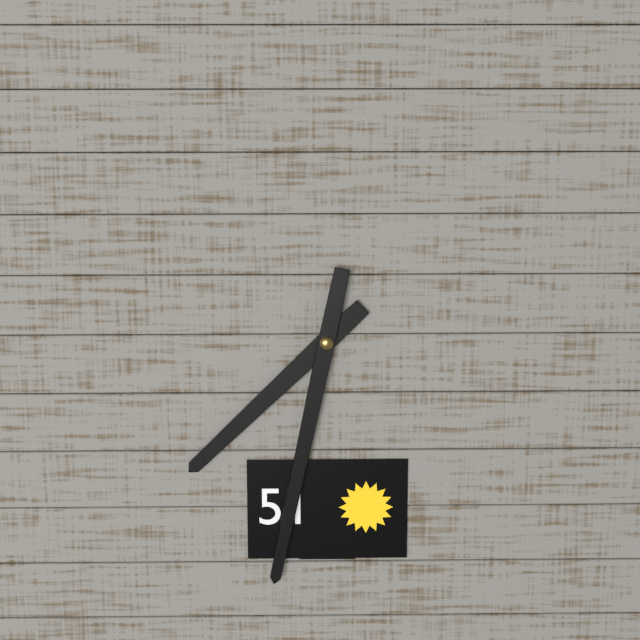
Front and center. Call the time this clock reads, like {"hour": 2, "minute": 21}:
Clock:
{"hour": 7, "minute": 32}
